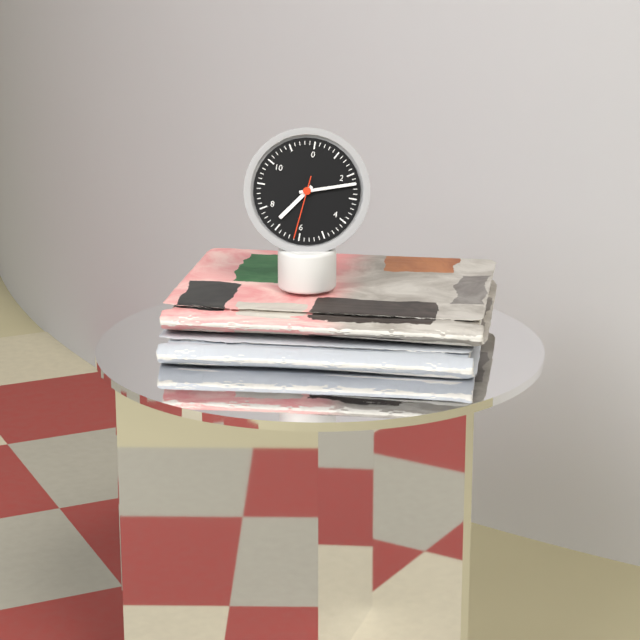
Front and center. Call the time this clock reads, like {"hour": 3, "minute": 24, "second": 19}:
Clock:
{"hour": 7, "minute": 12, "second": 31}
